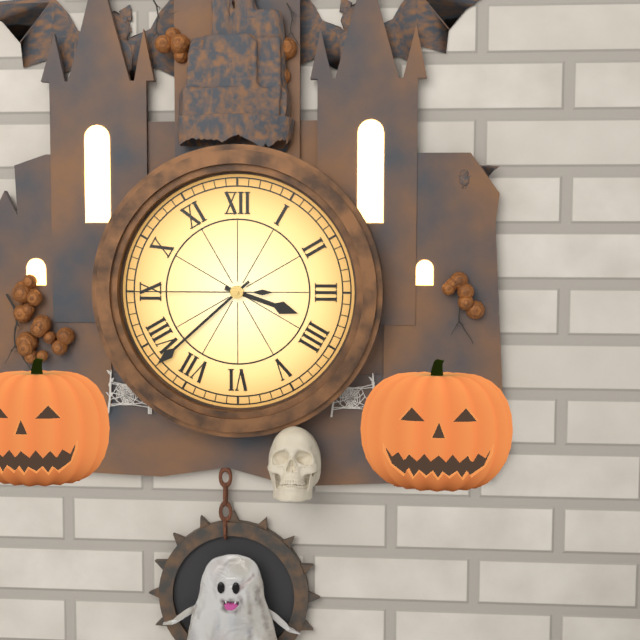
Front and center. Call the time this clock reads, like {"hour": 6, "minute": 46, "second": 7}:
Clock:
{"hour": 3, "minute": 38, "second": 45}
